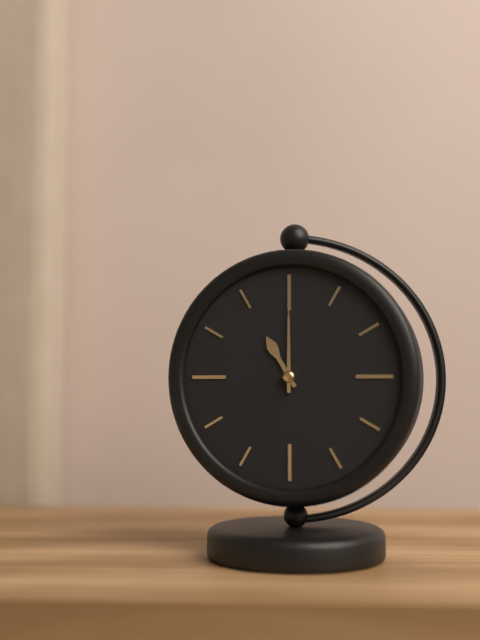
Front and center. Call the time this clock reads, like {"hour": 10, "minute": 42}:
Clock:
{"hour": 11, "minute": 0}
